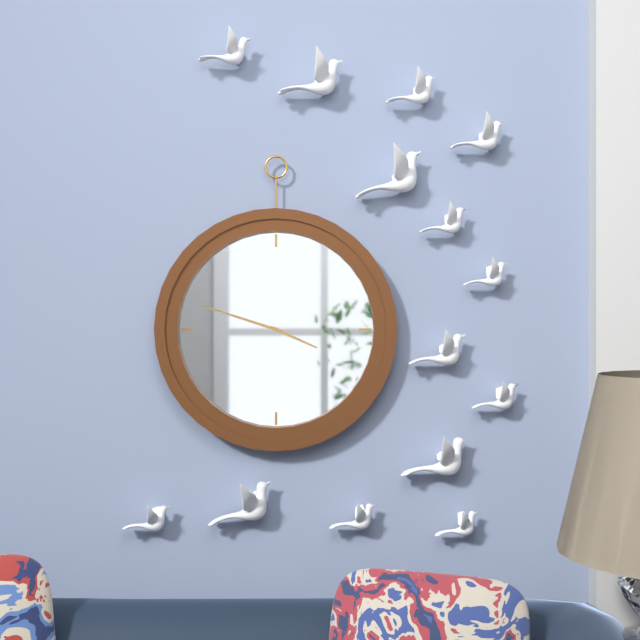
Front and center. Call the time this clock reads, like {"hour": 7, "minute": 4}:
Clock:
{"hour": 3, "minute": 48}
